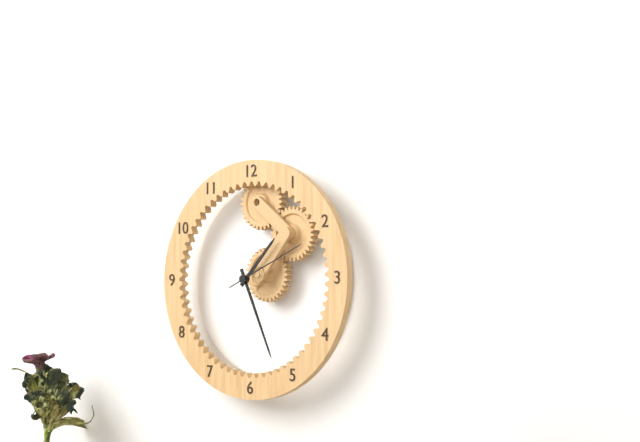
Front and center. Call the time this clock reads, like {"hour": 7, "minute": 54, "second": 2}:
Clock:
{"hour": 1, "minute": 26, "second": 11}
